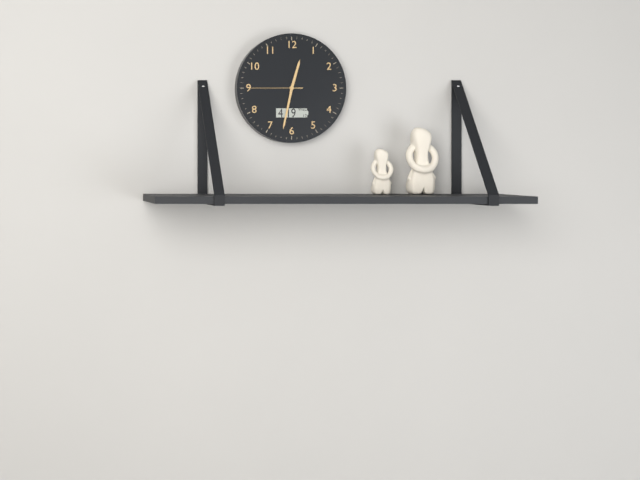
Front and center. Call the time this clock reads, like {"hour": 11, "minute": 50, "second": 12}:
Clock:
{"hour": 12, "minute": 32, "second": 45}
